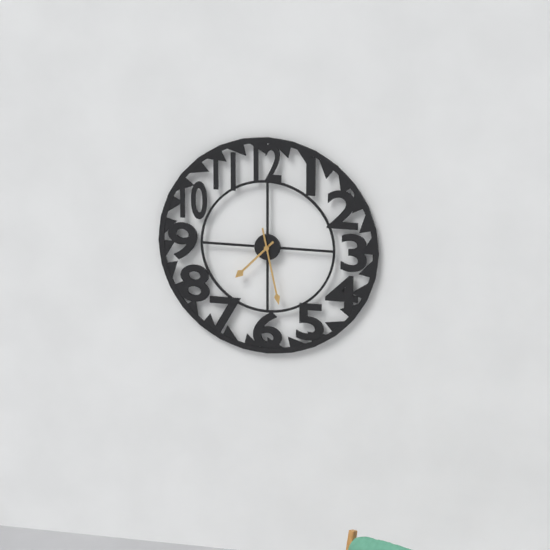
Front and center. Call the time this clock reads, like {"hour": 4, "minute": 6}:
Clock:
{"hour": 7, "minute": 28}
